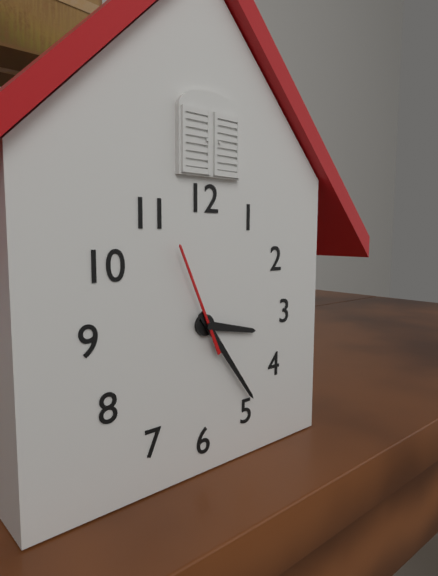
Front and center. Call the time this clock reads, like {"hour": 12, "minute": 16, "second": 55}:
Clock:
{"hour": 3, "minute": 24, "second": 56}
